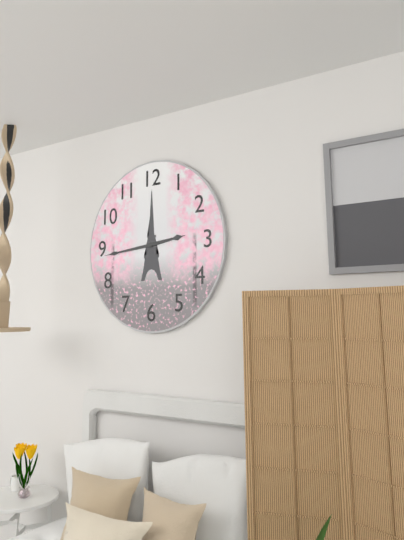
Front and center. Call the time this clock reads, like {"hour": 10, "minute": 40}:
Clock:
{"hour": 2, "minute": 44}
